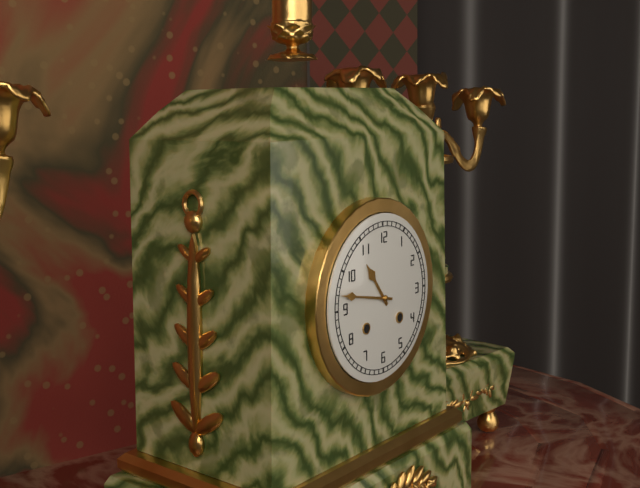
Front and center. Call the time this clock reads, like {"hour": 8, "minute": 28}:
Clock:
{"hour": 10, "minute": 47}
